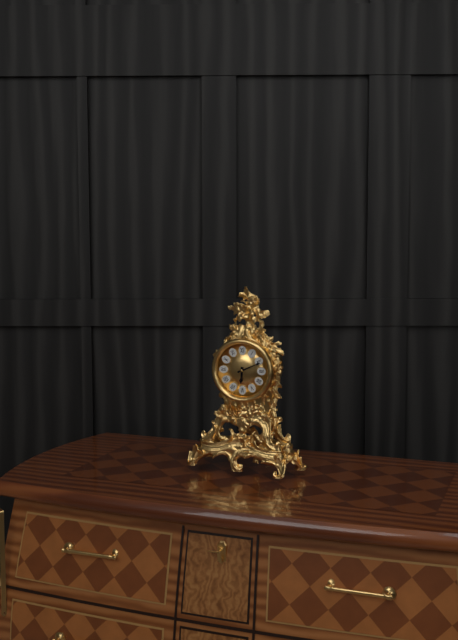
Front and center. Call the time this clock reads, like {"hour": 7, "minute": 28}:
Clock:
{"hour": 6, "minute": 11}
